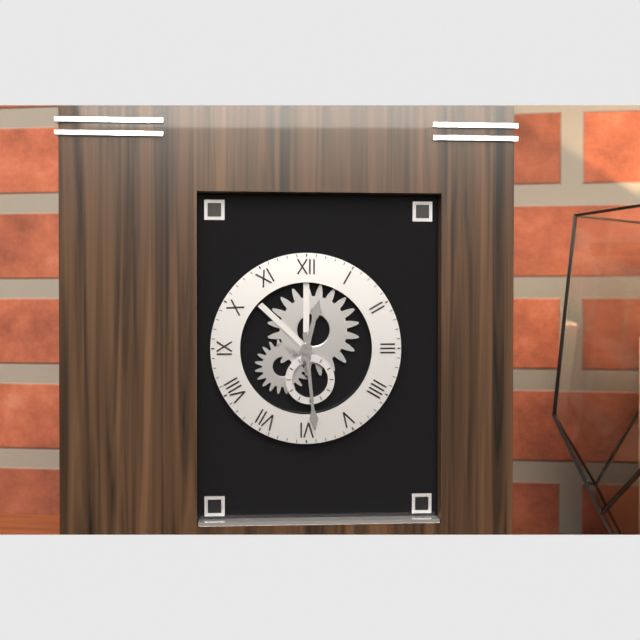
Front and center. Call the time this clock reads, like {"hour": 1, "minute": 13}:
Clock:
{"hour": 12, "minute": 29}
